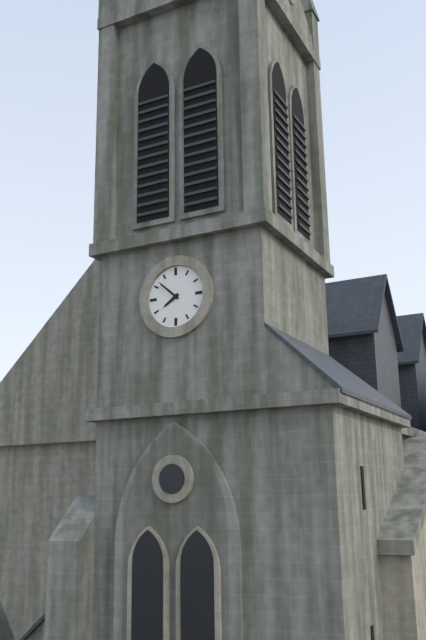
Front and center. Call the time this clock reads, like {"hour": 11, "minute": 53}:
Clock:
{"hour": 7, "minute": 52}
